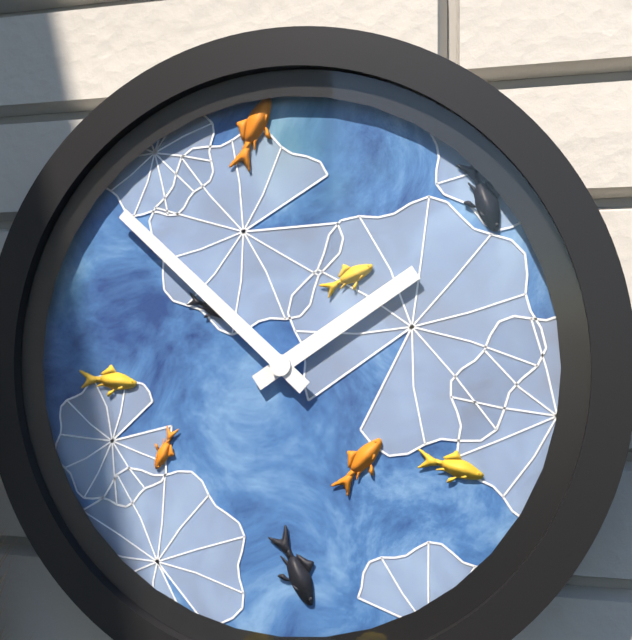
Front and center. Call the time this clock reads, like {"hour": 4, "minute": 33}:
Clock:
{"hour": 1, "minute": 52}
